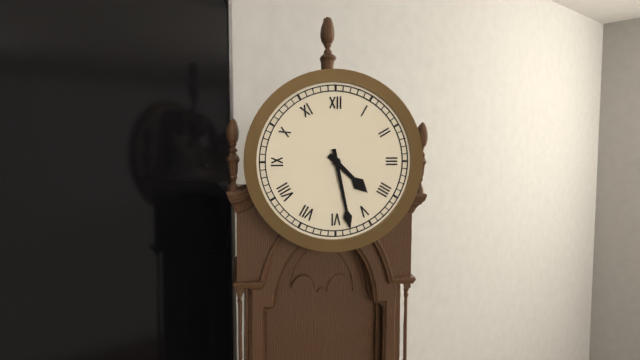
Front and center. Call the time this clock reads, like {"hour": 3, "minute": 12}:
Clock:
{"hour": 4, "minute": 28}
